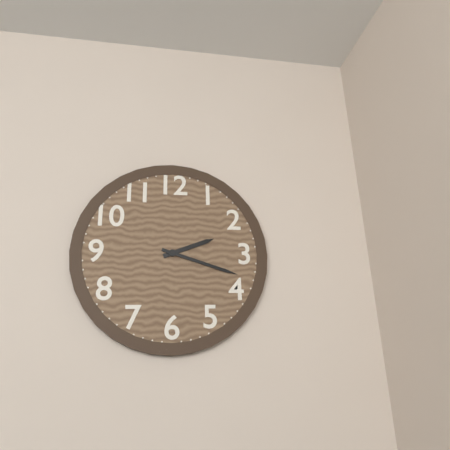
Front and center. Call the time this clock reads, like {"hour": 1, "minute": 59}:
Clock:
{"hour": 2, "minute": 18}
